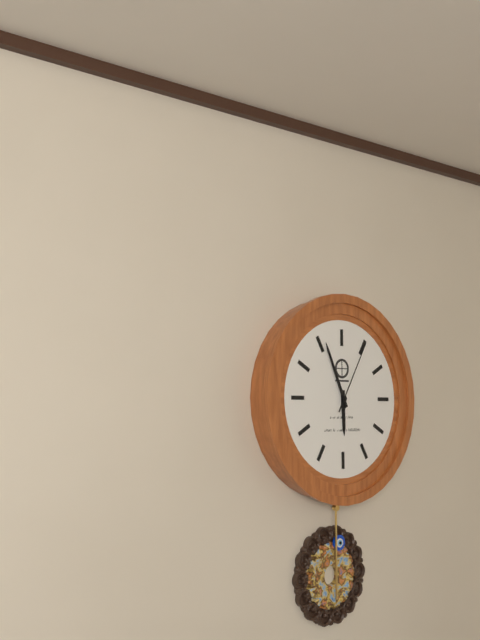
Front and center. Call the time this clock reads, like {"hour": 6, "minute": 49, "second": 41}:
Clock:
{"hour": 5, "minute": 56, "second": 5}
